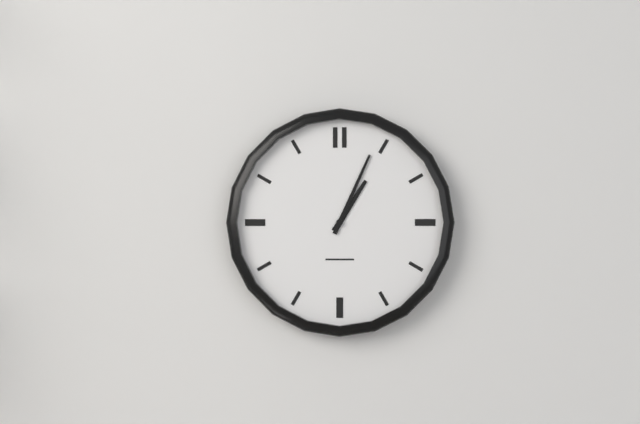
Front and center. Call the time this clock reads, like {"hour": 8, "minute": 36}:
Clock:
{"hour": 1, "minute": 4}
